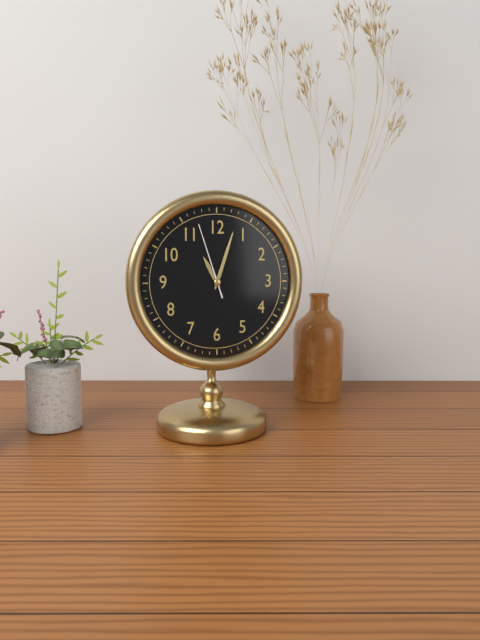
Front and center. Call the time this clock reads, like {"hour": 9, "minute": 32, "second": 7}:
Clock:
{"hour": 11, "minute": 3, "second": 57}
